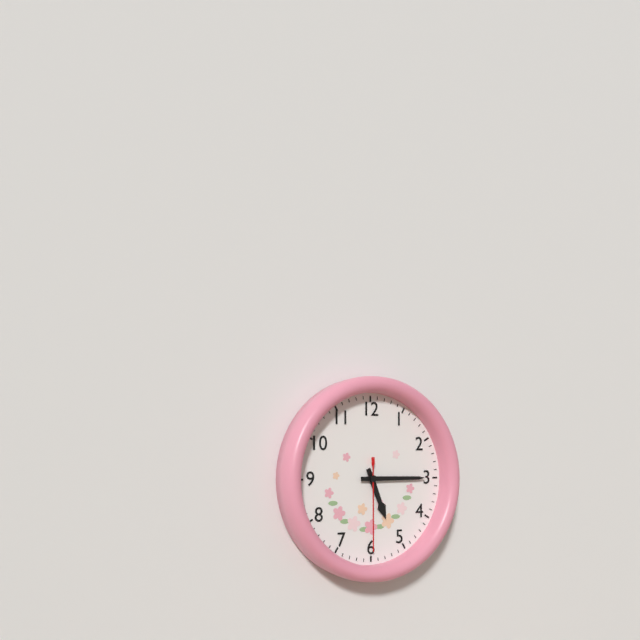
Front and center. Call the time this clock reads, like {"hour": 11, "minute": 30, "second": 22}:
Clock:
{"hour": 5, "minute": 15, "second": 30}
